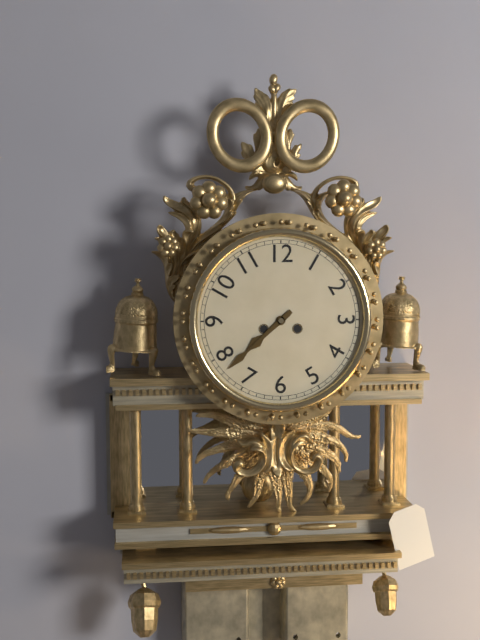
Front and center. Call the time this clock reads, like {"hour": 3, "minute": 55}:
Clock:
{"hour": 7, "minute": 38}
